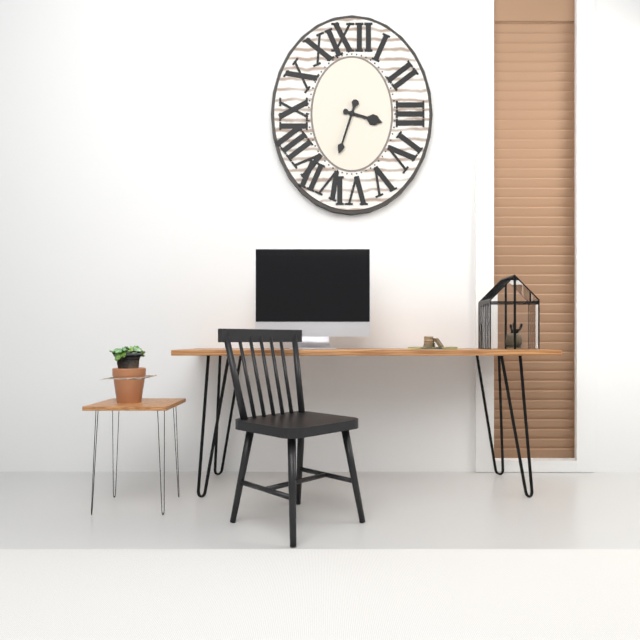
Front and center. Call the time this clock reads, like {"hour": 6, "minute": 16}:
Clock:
{"hour": 3, "minute": 33}
